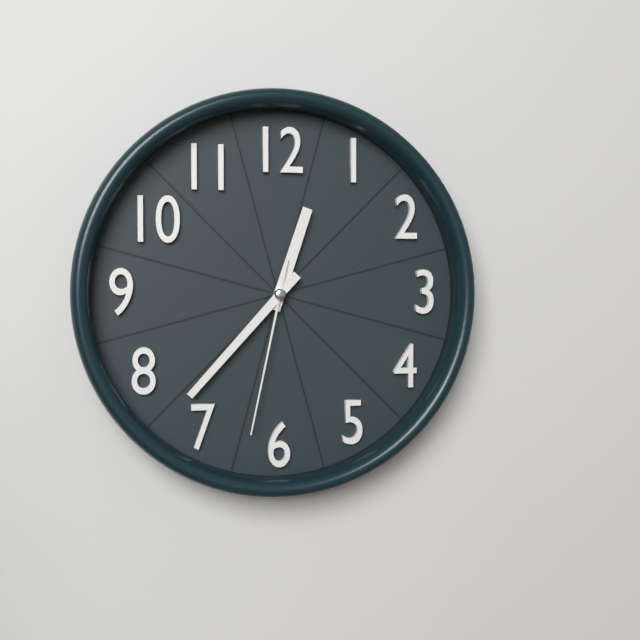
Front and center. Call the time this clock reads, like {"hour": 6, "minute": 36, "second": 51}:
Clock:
{"hour": 12, "minute": 37, "second": 32}
